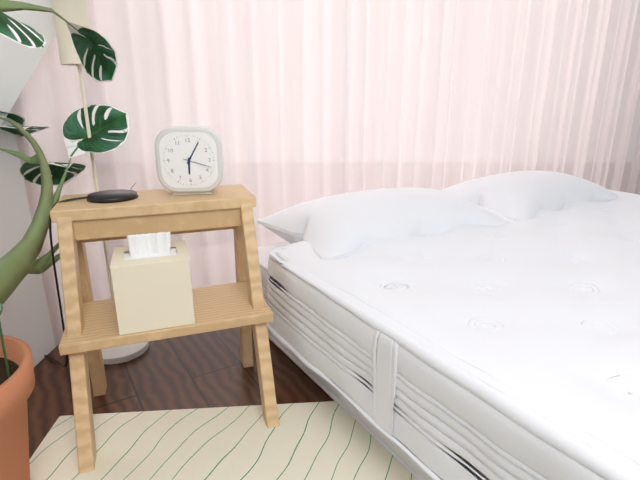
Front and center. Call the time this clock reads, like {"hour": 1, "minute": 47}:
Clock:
{"hour": 6, "minute": 5}
